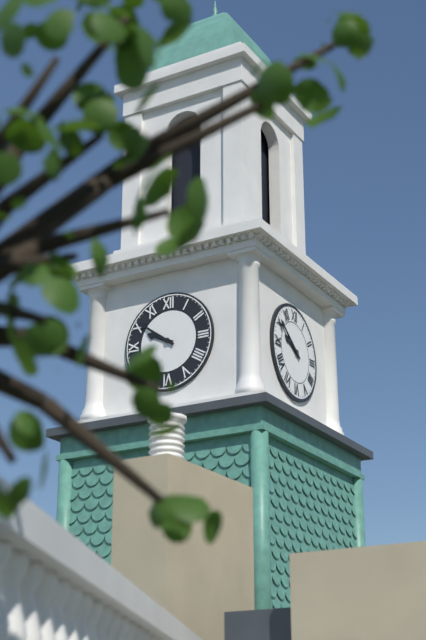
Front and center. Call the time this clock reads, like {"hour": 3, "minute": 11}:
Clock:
{"hour": 9, "minute": 51}
